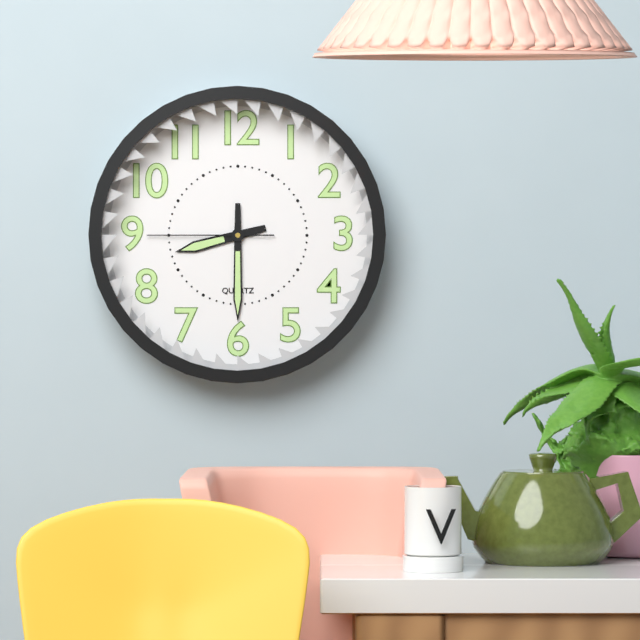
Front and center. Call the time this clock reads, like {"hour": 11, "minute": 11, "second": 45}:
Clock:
{"hour": 8, "minute": 30, "second": 45}
